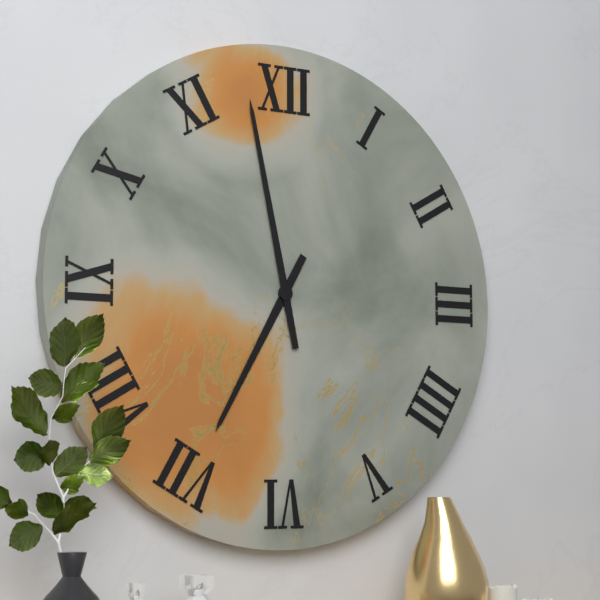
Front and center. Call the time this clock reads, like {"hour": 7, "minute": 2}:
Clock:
{"hour": 6, "minute": 58}
